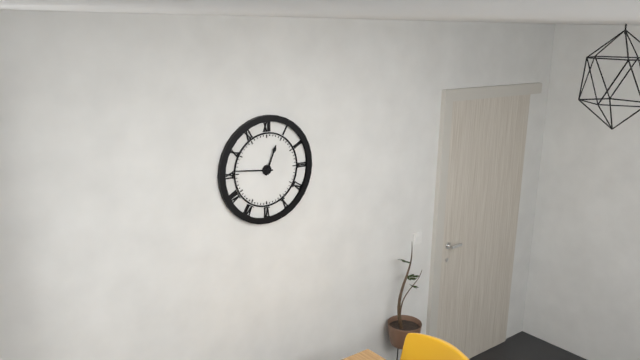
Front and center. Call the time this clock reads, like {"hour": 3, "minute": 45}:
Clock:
{"hour": 12, "minute": 46}
